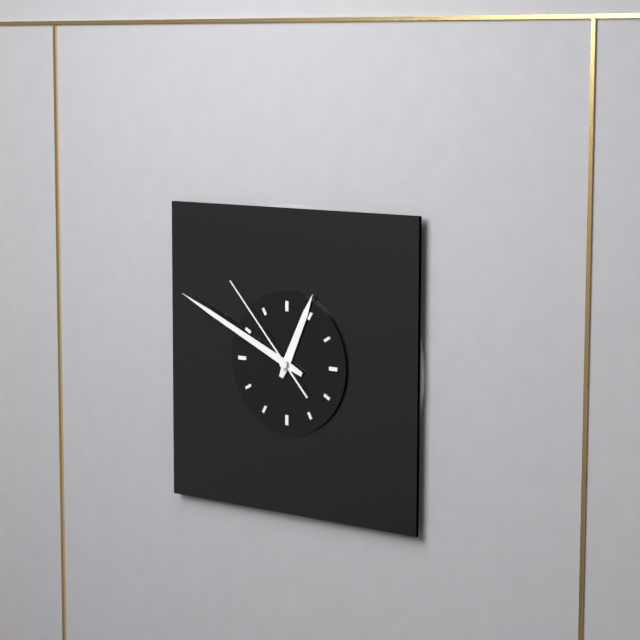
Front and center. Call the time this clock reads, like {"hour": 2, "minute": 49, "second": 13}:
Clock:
{"hour": 12, "minute": 49, "second": 53}
